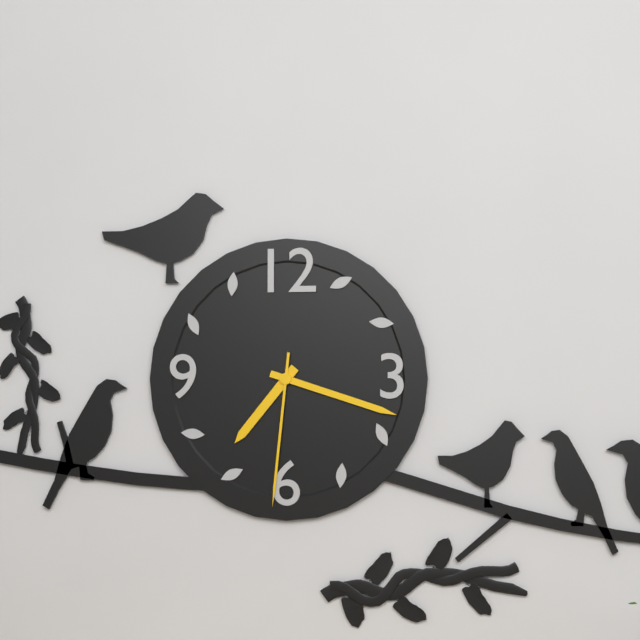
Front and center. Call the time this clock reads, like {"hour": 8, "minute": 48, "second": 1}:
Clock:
{"hour": 7, "minute": 18, "second": 31}
